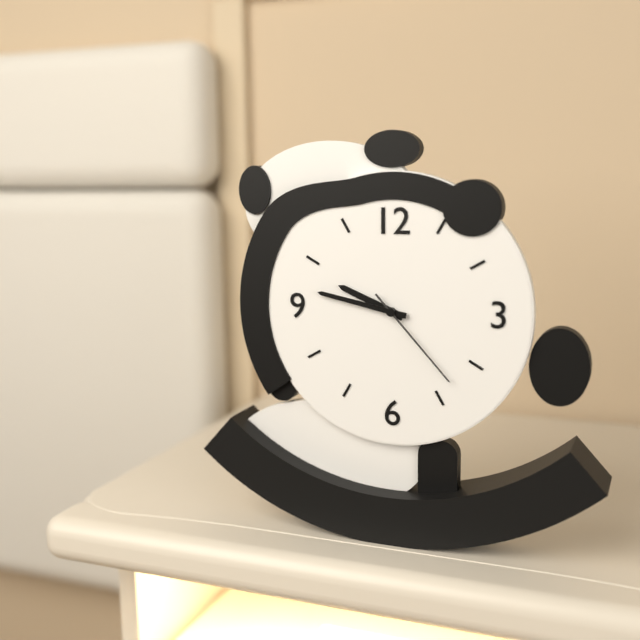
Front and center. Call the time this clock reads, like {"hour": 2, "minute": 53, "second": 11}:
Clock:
{"hour": 9, "minute": 47, "second": 23}
